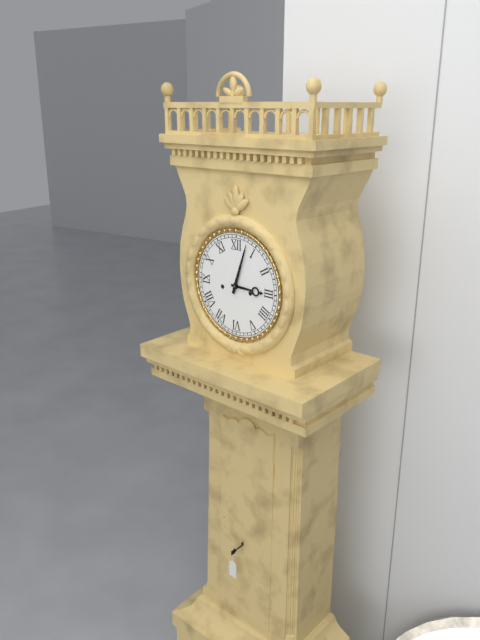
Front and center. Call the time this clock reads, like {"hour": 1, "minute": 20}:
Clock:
{"hour": 3, "minute": 3}
